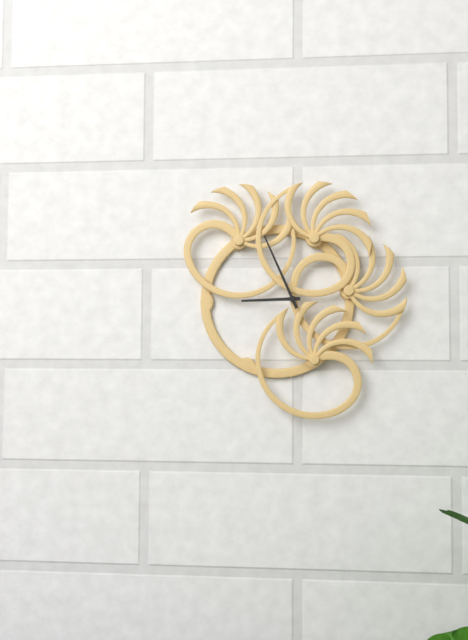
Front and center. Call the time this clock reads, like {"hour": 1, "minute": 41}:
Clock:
{"hour": 8, "minute": 56}
